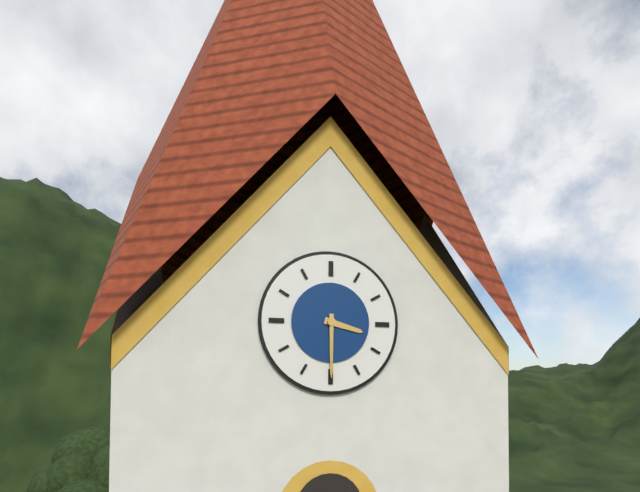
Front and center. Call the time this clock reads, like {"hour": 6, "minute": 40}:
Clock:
{"hour": 3, "minute": 30}
